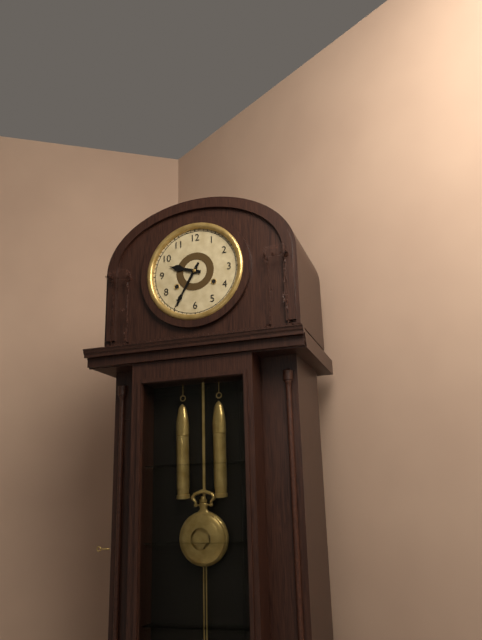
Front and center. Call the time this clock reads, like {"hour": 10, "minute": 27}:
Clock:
{"hour": 9, "minute": 35}
